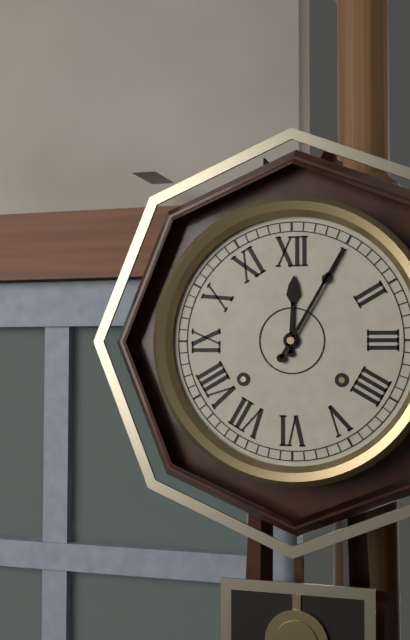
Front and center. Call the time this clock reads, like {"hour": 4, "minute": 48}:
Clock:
{"hour": 12, "minute": 5}
